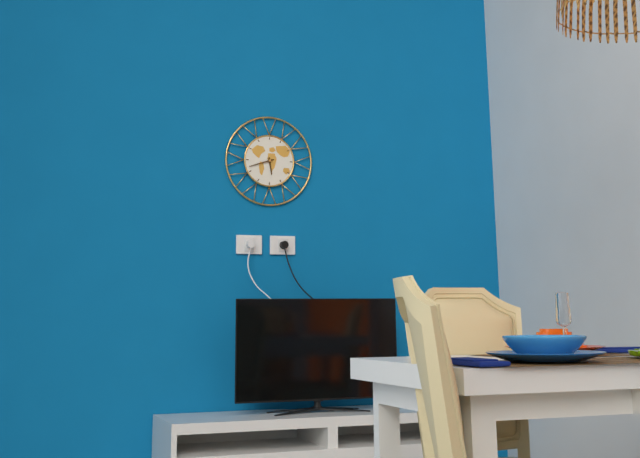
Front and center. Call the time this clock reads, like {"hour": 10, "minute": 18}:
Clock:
{"hour": 5, "minute": 42}
